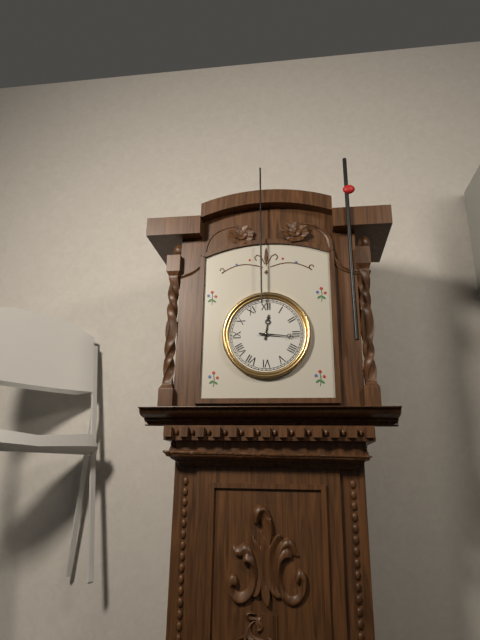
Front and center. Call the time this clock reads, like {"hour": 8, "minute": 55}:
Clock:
{"hour": 12, "minute": 16}
